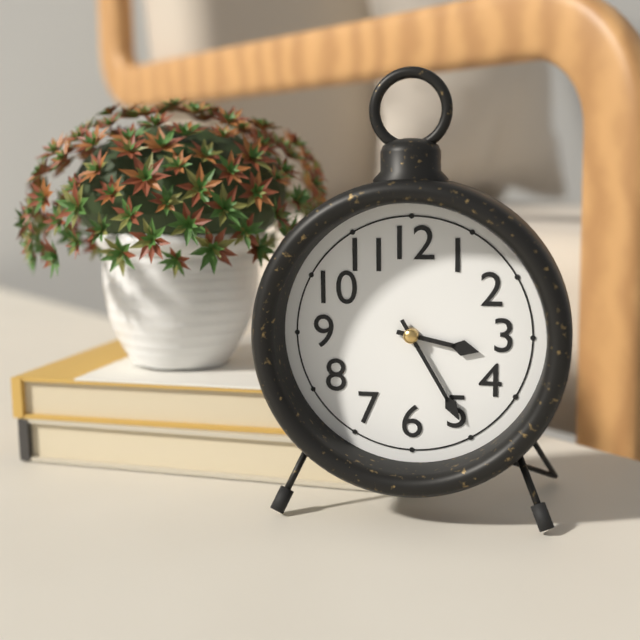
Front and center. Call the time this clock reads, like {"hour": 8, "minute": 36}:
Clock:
{"hour": 3, "minute": 25}
